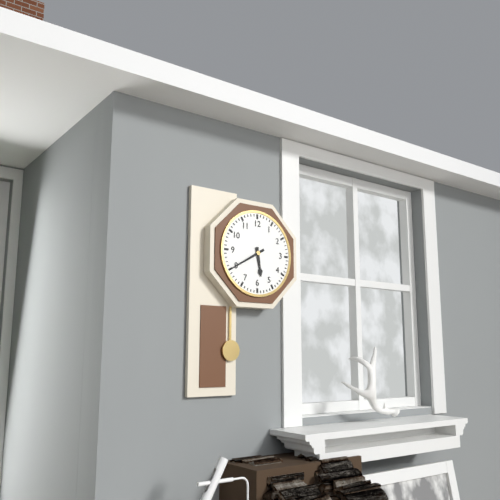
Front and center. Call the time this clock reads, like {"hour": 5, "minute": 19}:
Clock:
{"hour": 5, "minute": 40}
